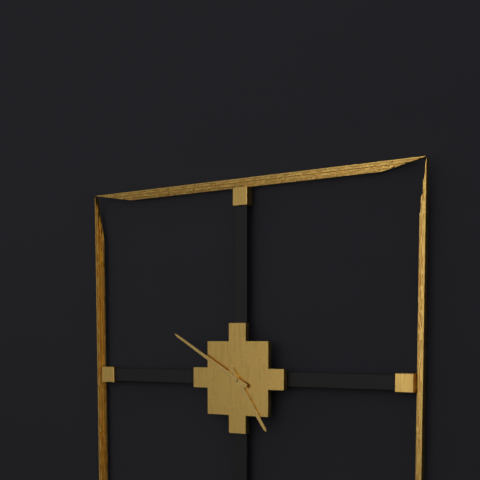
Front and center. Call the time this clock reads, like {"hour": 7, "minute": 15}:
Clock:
{"hour": 4, "minute": 50}
